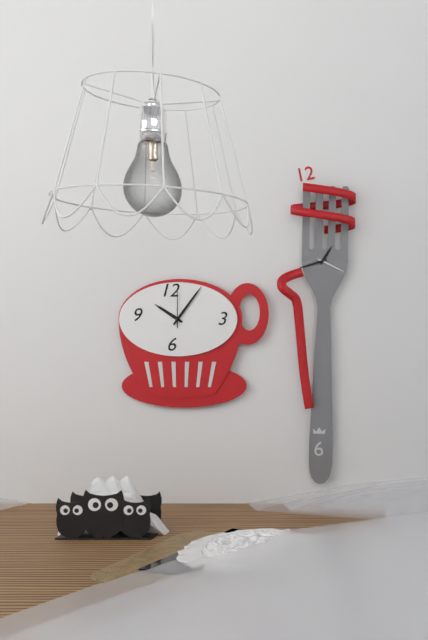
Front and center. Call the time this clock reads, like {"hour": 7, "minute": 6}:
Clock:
{"hour": 10, "minute": 6}
